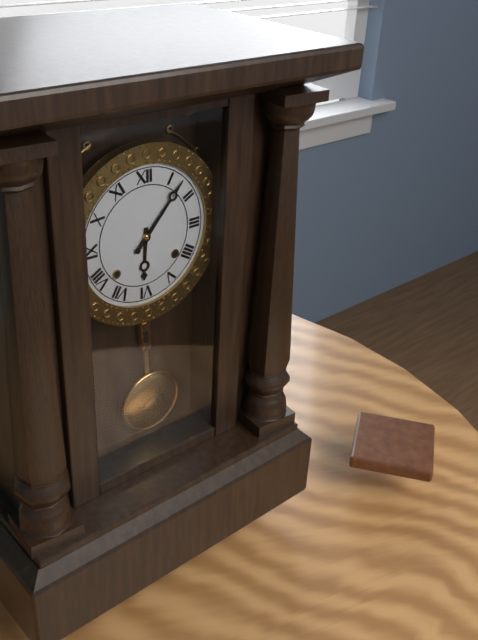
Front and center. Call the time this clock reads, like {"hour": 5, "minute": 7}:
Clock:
{"hour": 6, "minute": 7}
